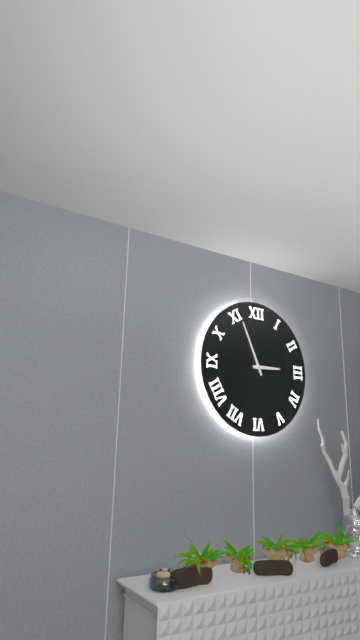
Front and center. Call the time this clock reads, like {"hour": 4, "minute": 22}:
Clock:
{"hour": 2, "minute": 56}
